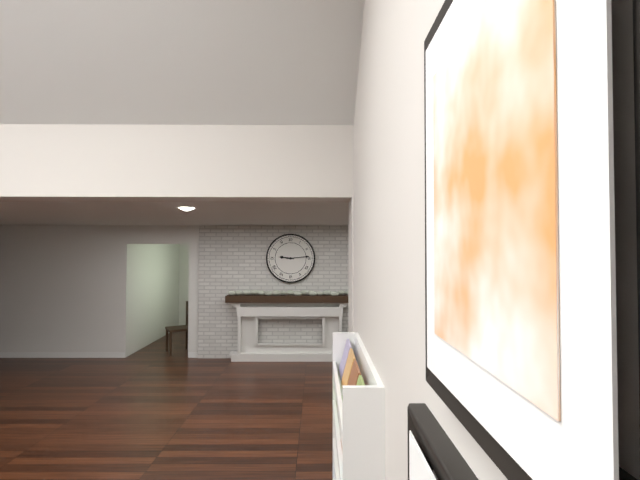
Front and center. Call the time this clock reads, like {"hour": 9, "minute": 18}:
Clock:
{"hour": 9, "minute": 14}
